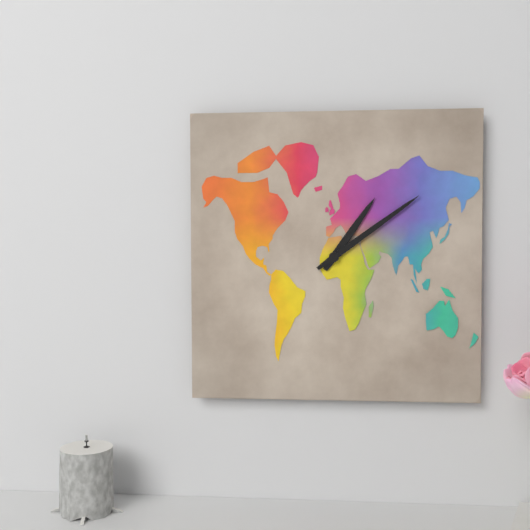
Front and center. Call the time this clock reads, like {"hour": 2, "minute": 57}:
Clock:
{"hour": 1, "minute": 9}
